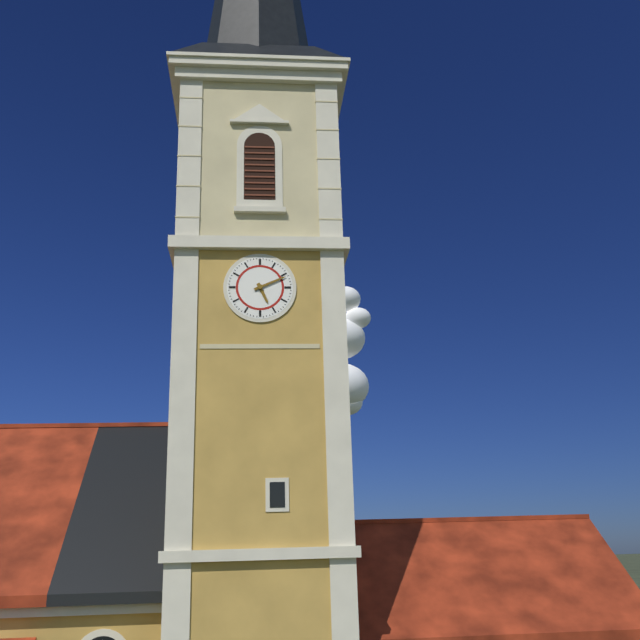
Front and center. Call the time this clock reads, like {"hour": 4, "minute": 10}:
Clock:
{"hour": 5, "minute": 11}
